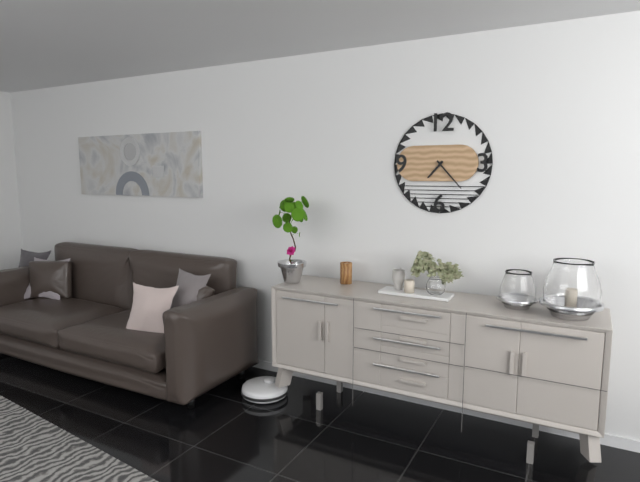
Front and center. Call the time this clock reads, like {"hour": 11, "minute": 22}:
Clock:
{"hour": 7, "minute": 23}
